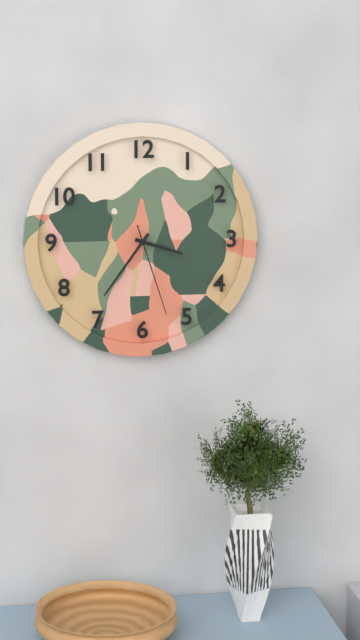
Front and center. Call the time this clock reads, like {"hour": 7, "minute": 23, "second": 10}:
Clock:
{"hour": 3, "minute": 36, "second": 27}
